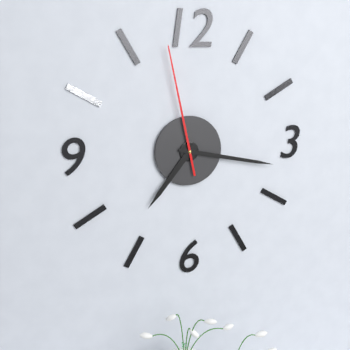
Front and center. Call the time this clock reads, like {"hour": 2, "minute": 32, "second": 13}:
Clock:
{"hour": 7, "minute": 17, "second": 58}
